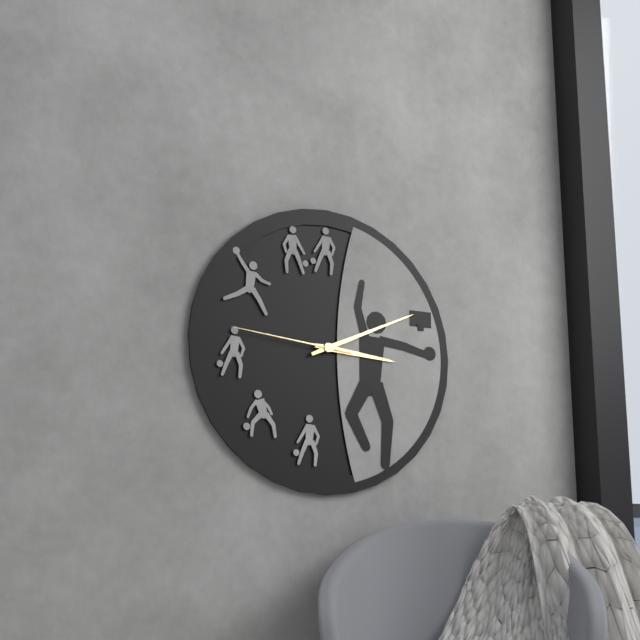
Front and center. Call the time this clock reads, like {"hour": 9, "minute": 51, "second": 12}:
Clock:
{"hour": 3, "minute": 11, "second": 46}
